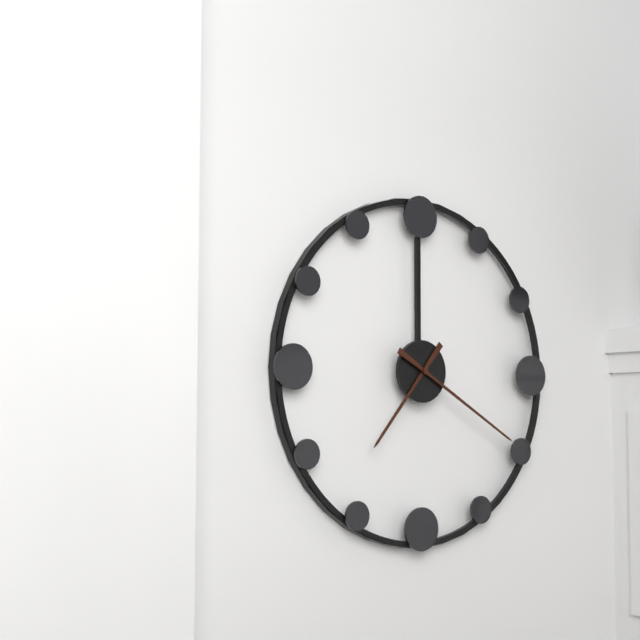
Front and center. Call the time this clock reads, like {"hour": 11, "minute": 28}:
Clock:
{"hour": 7, "minute": 20}
